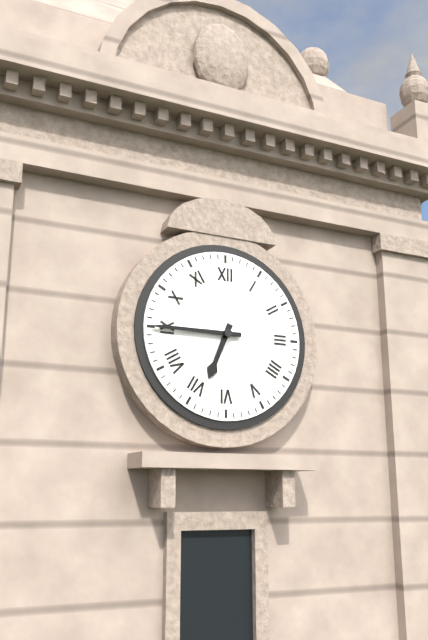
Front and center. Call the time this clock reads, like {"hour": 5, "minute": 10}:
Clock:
{"hour": 6, "minute": 45}
